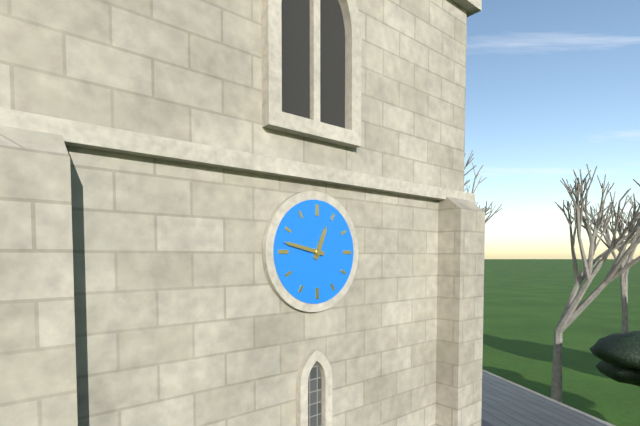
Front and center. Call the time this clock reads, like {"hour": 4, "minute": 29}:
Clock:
{"hour": 12, "minute": 47}
